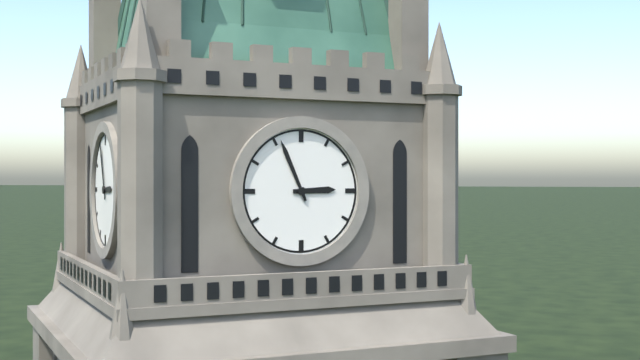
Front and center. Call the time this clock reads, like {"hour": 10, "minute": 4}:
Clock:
{"hour": 2, "minute": 56}
